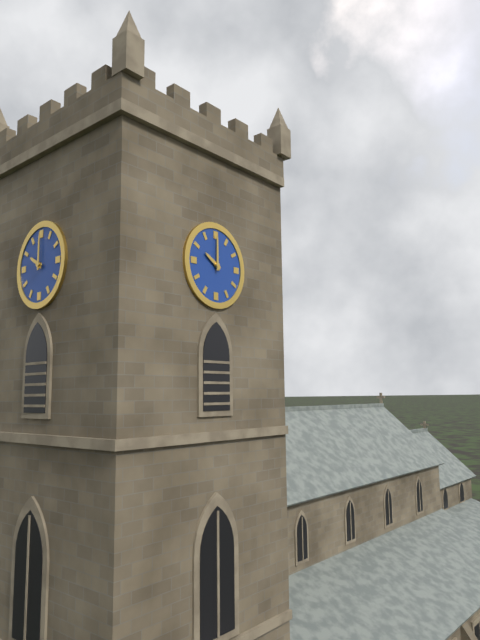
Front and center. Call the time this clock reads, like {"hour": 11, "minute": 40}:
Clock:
{"hour": 10, "minute": 0}
